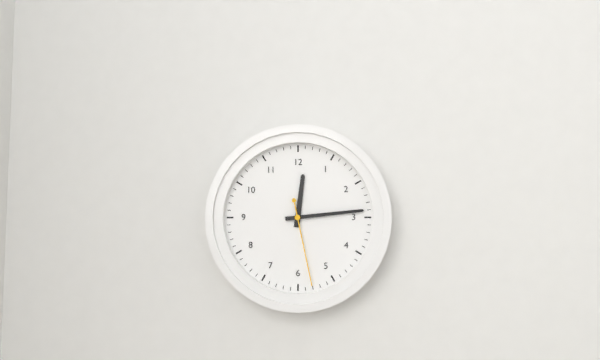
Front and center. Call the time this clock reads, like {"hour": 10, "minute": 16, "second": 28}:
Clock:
{"hour": 12, "minute": 14, "second": 28}
